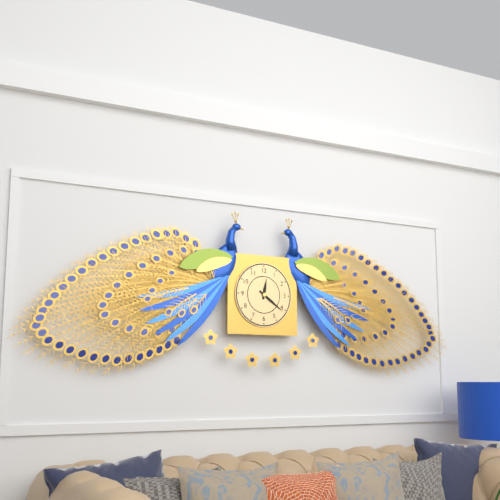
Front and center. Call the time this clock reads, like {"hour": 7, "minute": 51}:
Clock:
{"hour": 12, "minute": 21}
